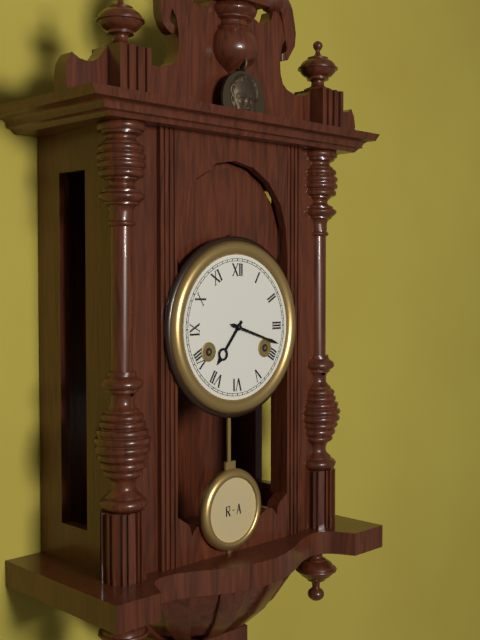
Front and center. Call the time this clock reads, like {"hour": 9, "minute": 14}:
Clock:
{"hour": 7, "minute": 18}
